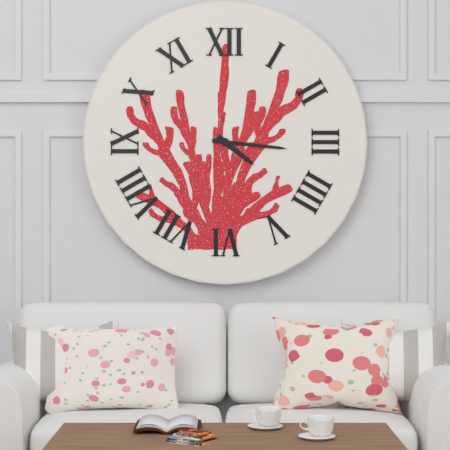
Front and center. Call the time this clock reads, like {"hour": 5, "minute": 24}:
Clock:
{"hour": 4, "minute": 16}
